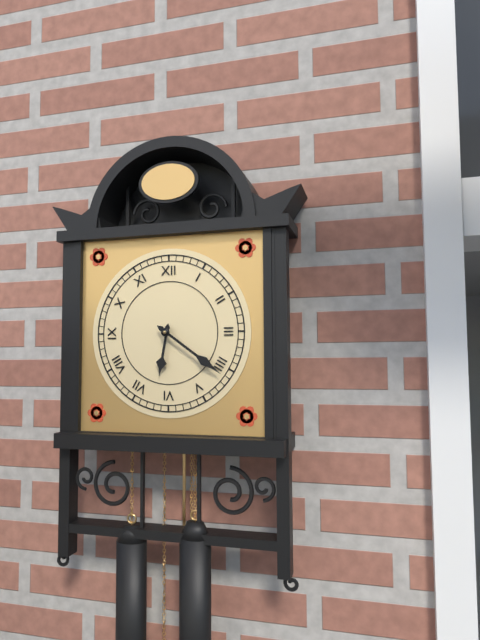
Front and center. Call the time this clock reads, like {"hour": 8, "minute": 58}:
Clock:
{"hour": 6, "minute": 21}
